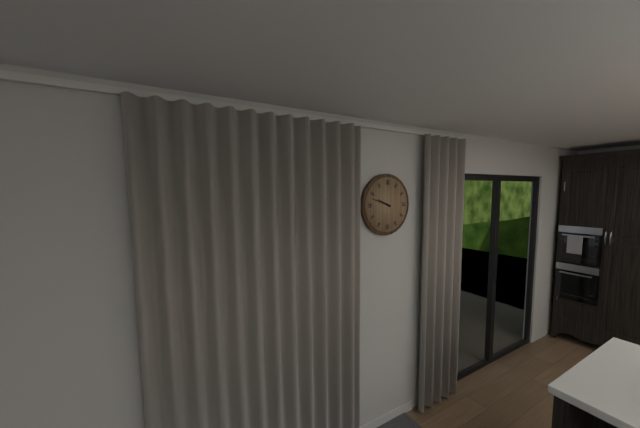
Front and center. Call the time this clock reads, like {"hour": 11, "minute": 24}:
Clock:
{"hour": 9, "minute": 48}
